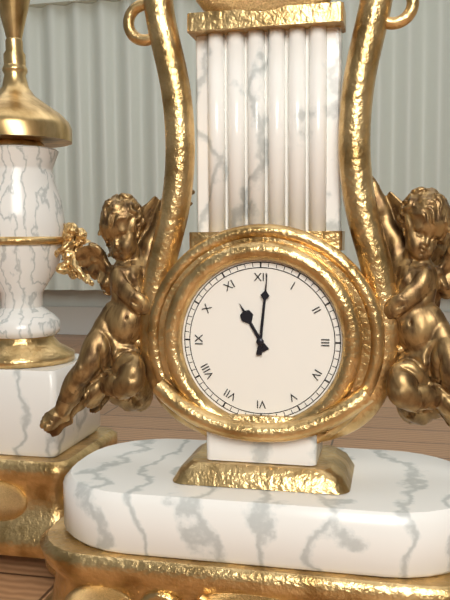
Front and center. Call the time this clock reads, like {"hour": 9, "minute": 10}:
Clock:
{"hour": 11, "minute": 1}
